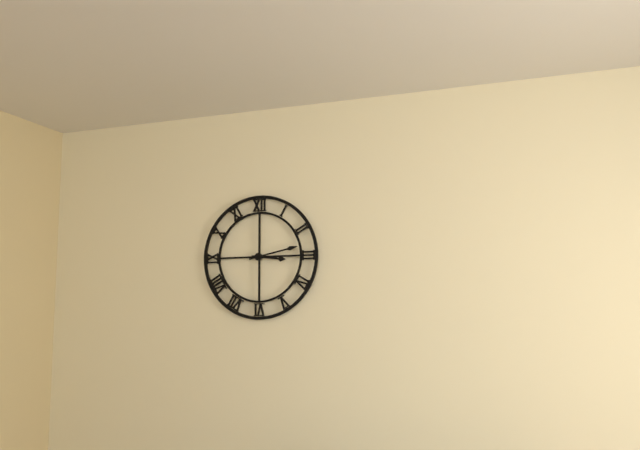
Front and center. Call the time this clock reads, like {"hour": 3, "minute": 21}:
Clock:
{"hour": 3, "minute": 13}
